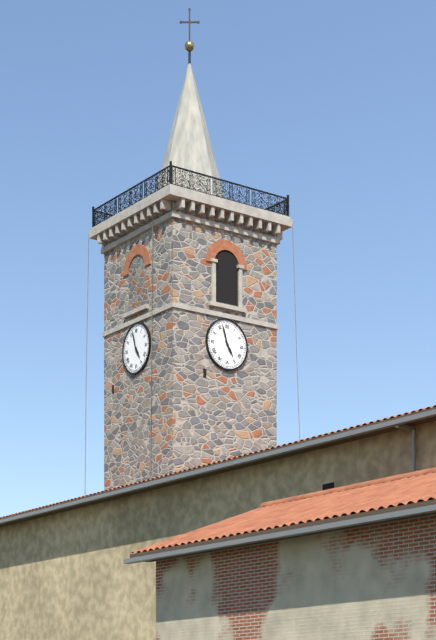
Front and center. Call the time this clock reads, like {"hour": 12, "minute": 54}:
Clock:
{"hour": 4, "minute": 57}
